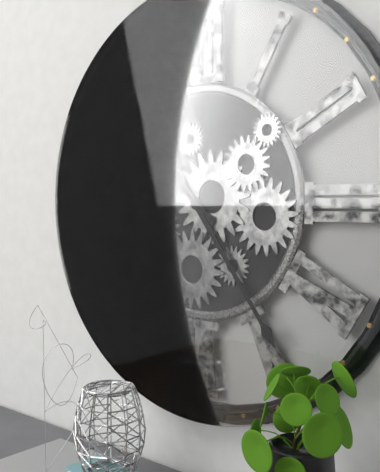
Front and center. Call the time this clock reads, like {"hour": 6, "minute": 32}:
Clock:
{"hour": 10, "minute": 24}
